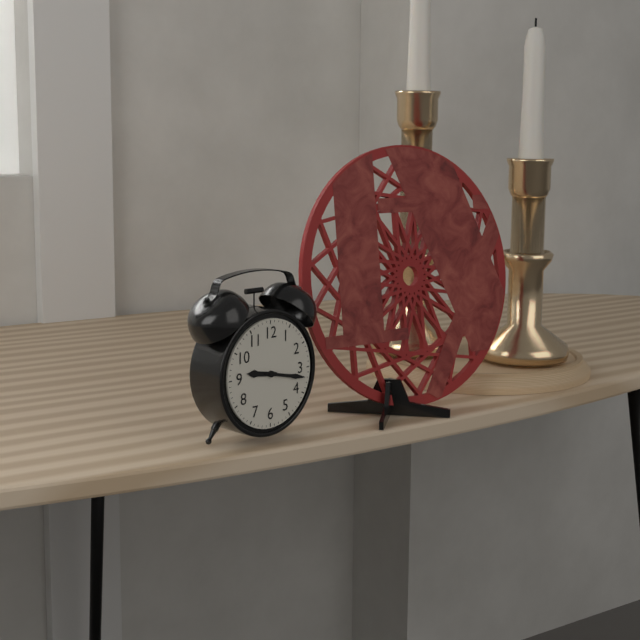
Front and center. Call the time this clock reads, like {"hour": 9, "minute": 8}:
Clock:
{"hour": 9, "minute": 17}
